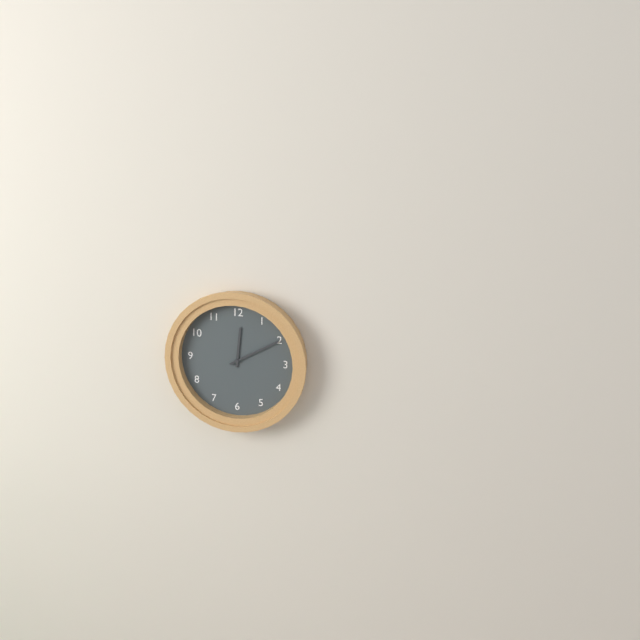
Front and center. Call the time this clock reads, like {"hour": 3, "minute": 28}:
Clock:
{"hour": 12, "minute": 10}
